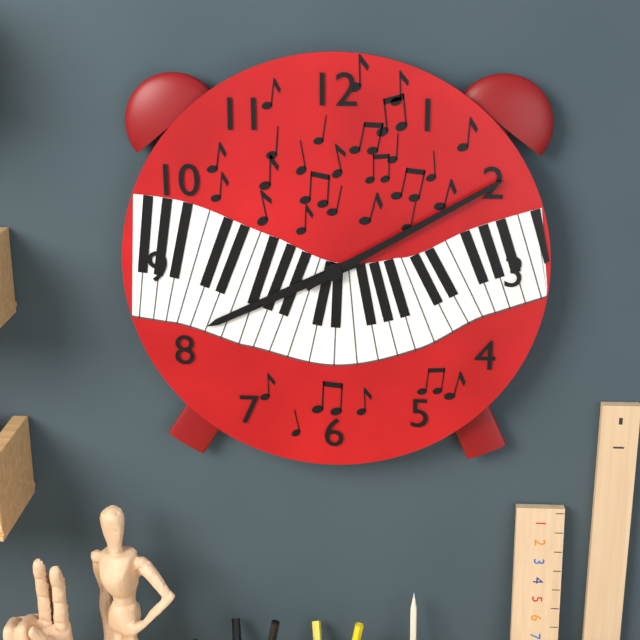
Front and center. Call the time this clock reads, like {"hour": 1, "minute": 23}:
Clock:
{"hour": 8, "minute": 10}
